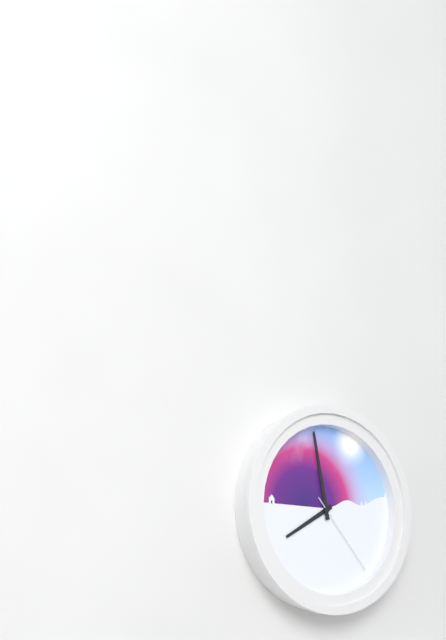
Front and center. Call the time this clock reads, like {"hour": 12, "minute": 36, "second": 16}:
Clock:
{"hour": 7, "minute": 58, "second": 23}
